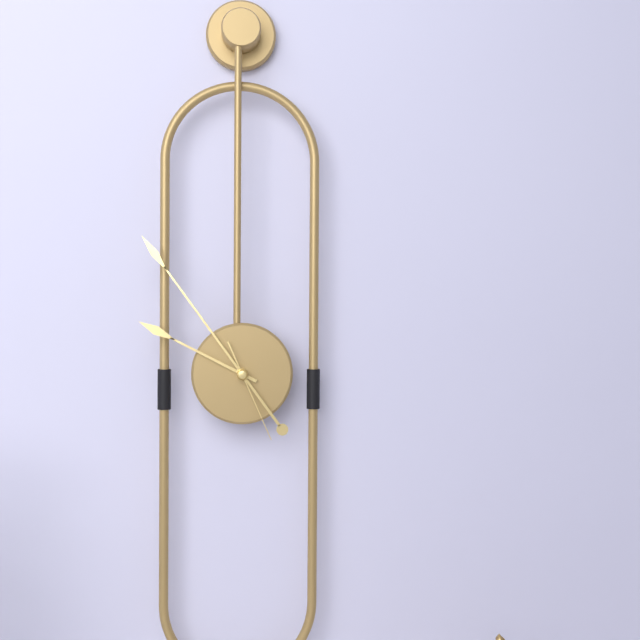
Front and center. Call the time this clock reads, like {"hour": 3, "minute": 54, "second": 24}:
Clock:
{"hour": 9, "minute": 54, "second": 26}
